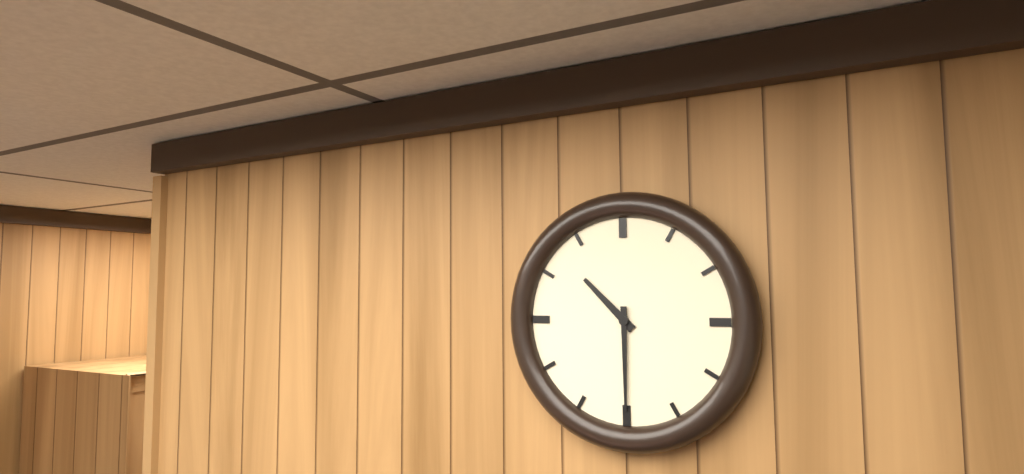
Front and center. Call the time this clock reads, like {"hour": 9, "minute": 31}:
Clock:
{"hour": 10, "minute": 30}
